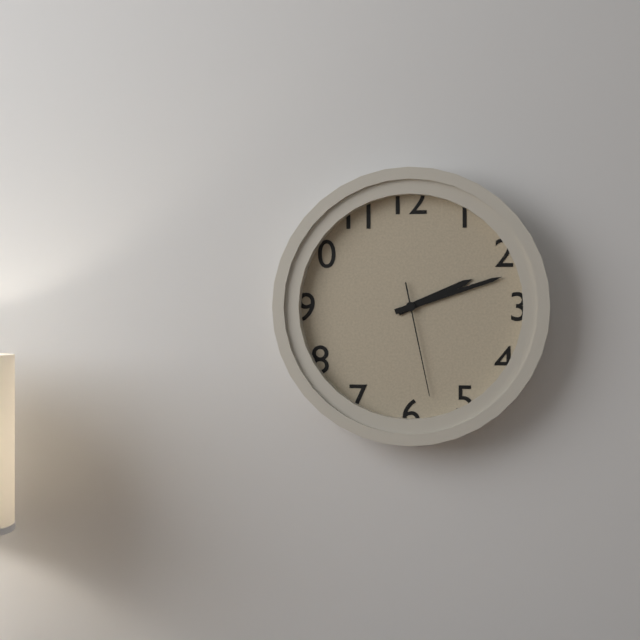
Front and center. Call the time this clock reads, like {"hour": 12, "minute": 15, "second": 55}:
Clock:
{"hour": 2, "minute": 12, "second": 28}
